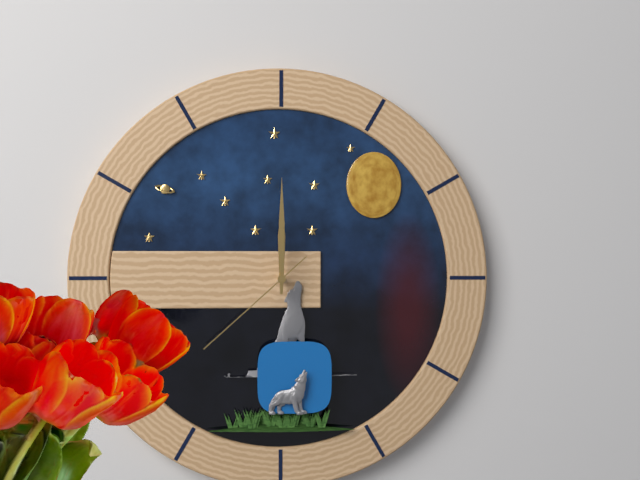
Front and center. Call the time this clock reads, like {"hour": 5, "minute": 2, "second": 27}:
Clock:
{"hour": 12, "minute": 0, "second": 38}
